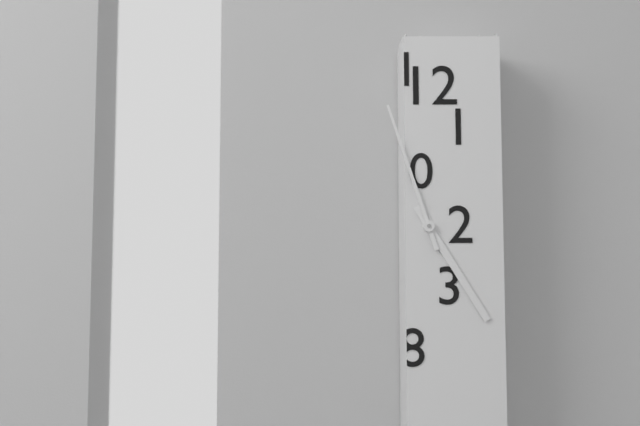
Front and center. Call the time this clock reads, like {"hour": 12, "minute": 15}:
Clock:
{"hour": 4, "minute": 57}
